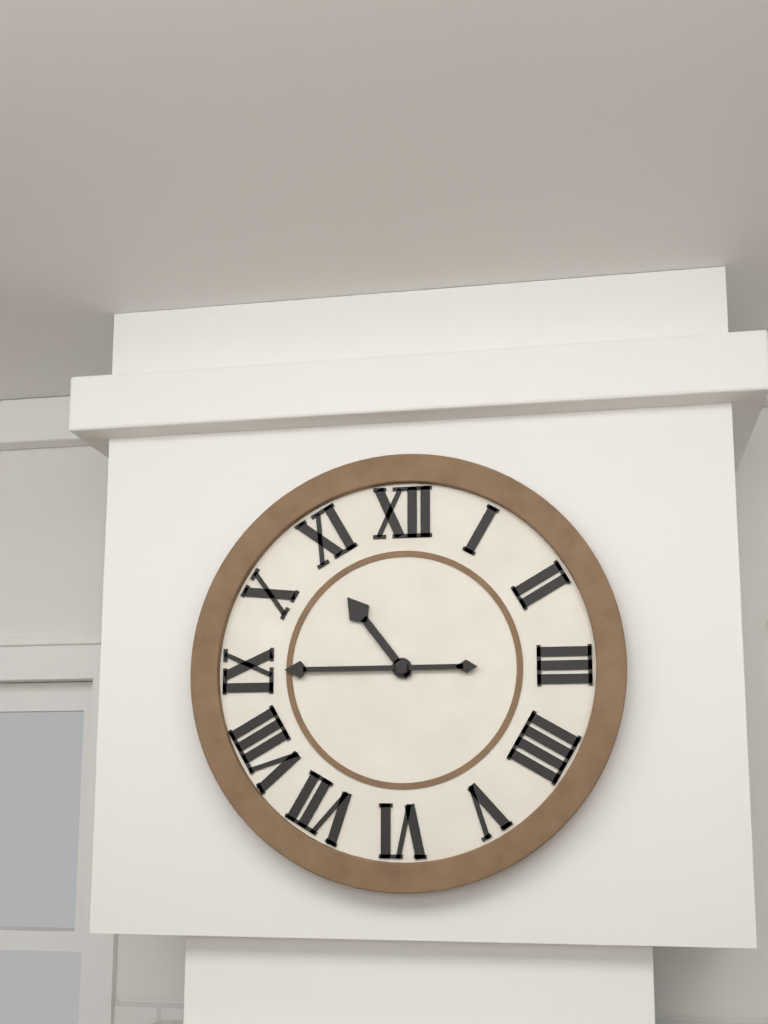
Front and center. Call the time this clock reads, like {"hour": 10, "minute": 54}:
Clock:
{"hour": 10, "minute": 45}
